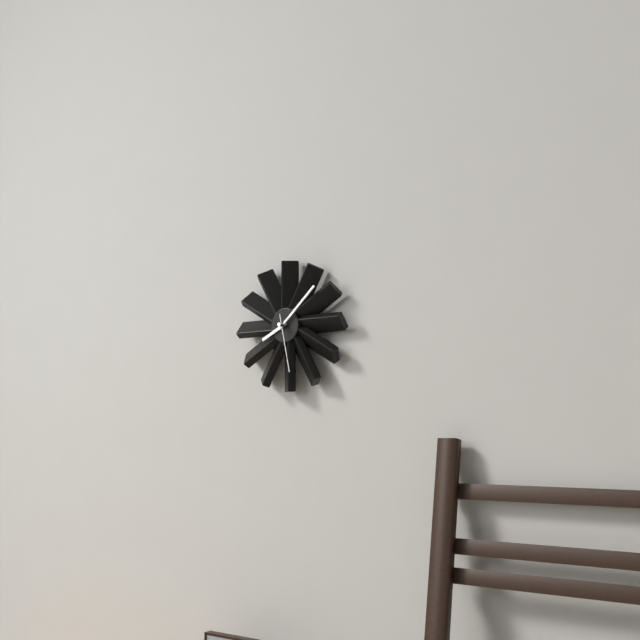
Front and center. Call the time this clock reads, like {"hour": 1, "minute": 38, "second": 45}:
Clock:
{"hour": 8, "minute": 8, "second": 28}
